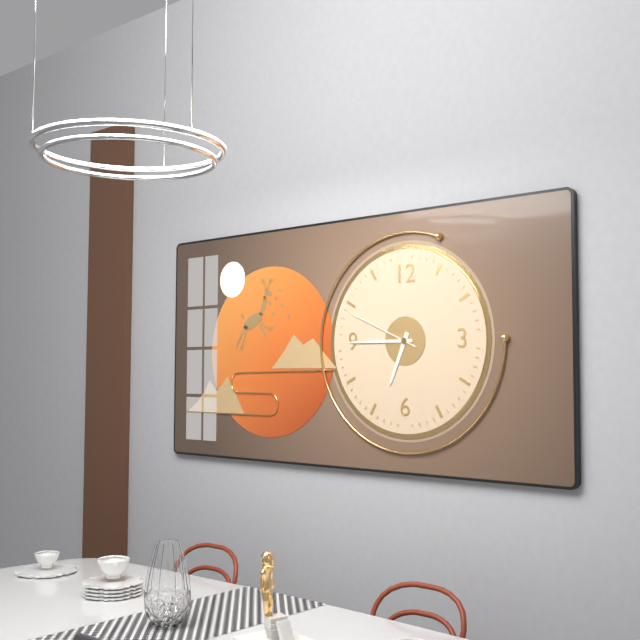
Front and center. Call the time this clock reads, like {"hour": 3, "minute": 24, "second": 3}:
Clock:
{"hour": 6, "minute": 45, "second": 49}
